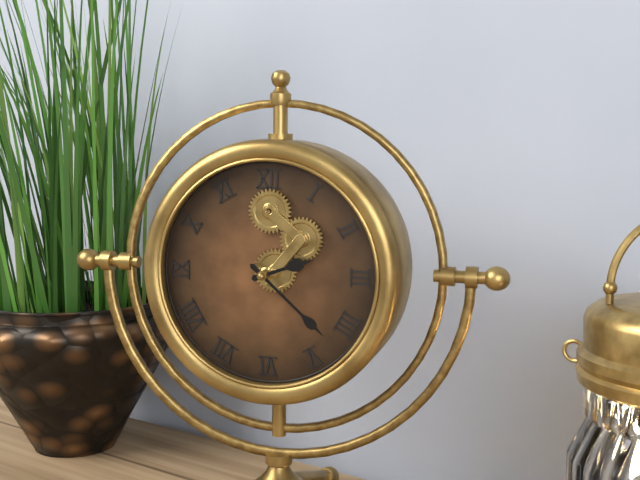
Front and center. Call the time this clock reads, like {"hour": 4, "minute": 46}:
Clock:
{"hour": 2, "minute": 22}
